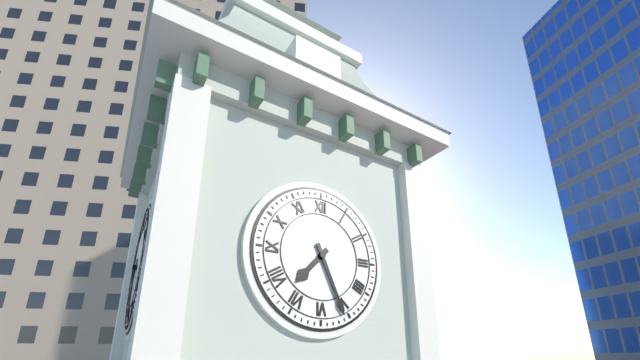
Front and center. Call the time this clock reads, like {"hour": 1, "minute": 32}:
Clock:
{"hour": 7, "minute": 26}
